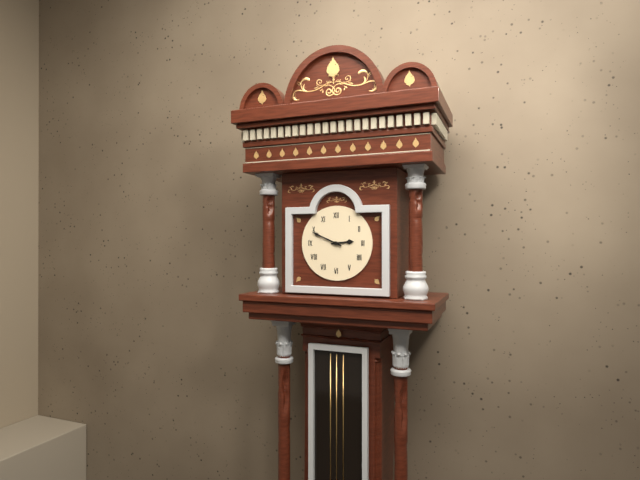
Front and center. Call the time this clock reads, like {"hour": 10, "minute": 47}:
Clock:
{"hour": 2, "minute": 49}
